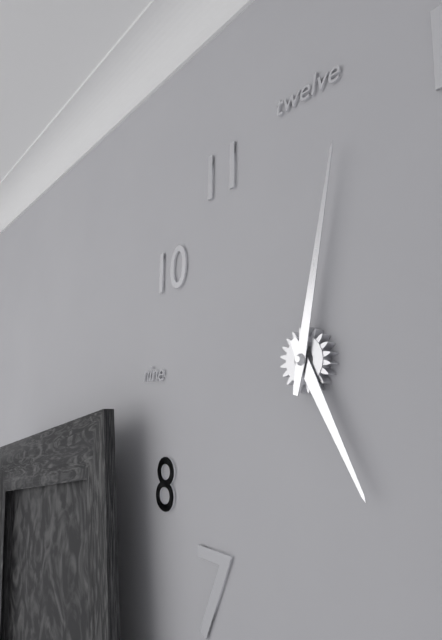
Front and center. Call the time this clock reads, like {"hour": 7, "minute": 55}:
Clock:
{"hour": 5, "minute": 2}
